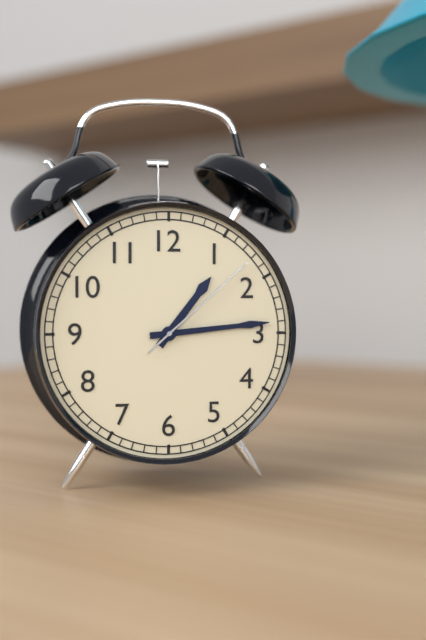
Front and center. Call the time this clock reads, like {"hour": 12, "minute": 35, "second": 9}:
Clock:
{"hour": 1, "minute": 14, "second": 8}
